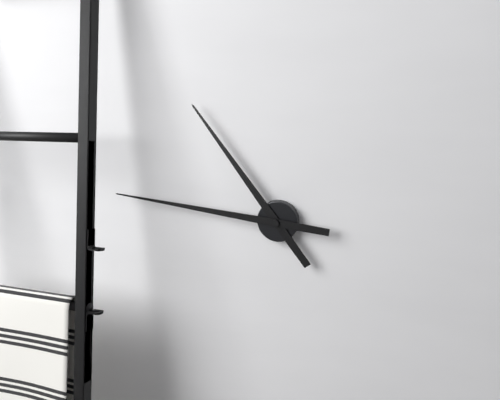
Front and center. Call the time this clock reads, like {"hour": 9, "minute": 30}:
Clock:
{"hour": 10, "minute": 46}
